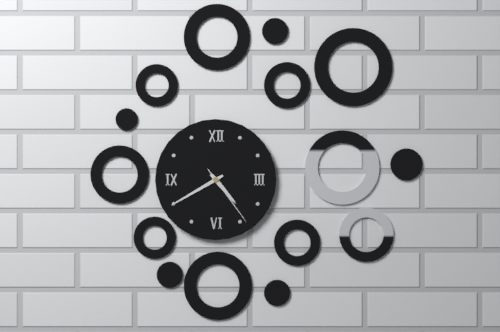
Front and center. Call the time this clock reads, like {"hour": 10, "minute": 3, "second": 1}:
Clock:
{"hour": 4, "minute": 40, "second": 24}
